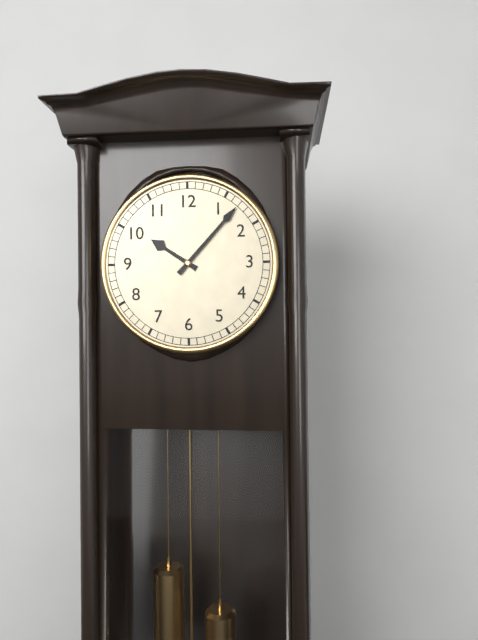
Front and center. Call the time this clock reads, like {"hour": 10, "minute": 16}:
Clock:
{"hour": 10, "minute": 7}
